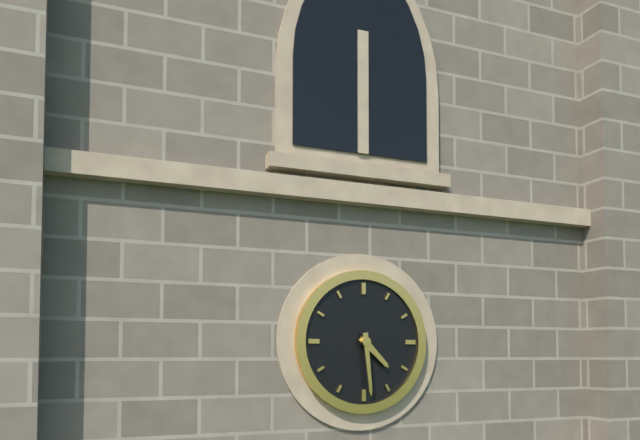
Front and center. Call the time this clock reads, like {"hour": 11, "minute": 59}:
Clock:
{"hour": 4, "minute": 29}
